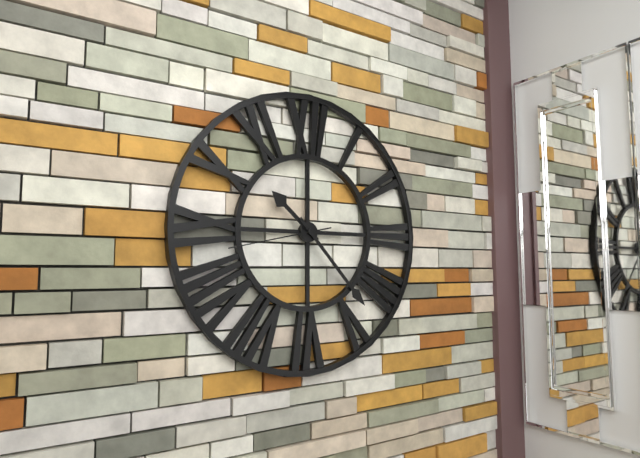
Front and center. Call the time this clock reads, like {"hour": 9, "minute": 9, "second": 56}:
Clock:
{"hour": 10, "minute": 23, "second": 43}
